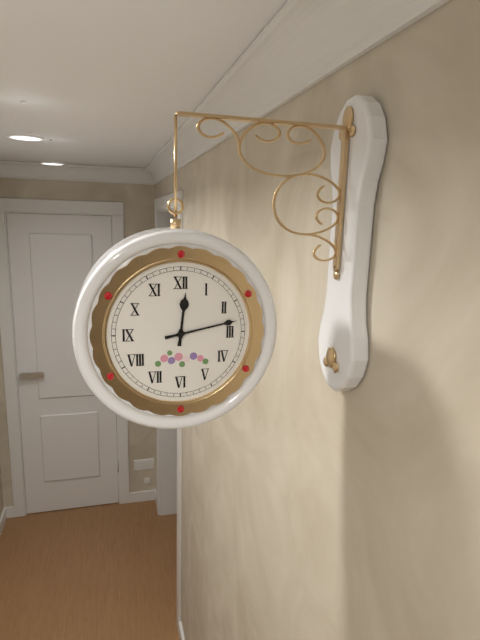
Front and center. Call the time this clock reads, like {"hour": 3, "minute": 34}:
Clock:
{"hour": 12, "minute": 13}
